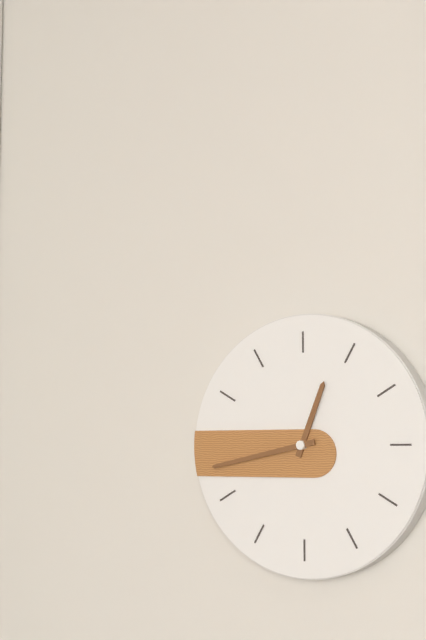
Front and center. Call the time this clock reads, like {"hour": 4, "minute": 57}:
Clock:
{"hour": 12, "minute": 43}
